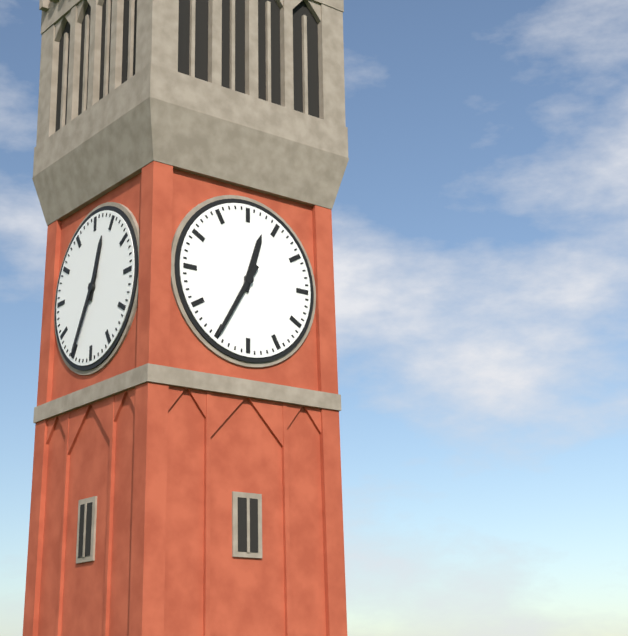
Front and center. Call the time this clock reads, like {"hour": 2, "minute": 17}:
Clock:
{"hour": 12, "minute": 35}
